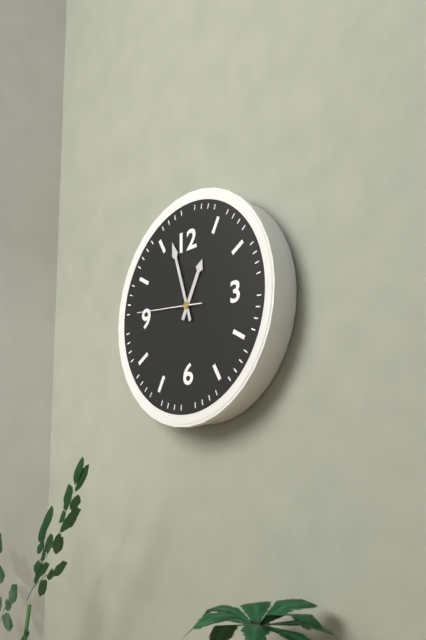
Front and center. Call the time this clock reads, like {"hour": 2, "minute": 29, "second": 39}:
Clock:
{"hour": 12, "minute": 57, "second": 46}
